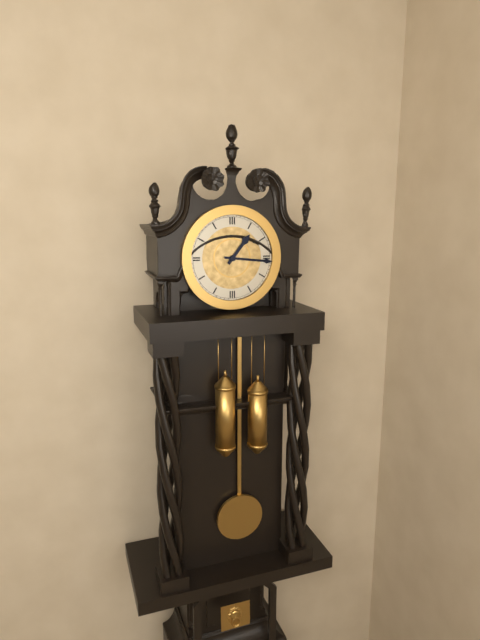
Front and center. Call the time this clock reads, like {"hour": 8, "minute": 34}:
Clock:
{"hour": 1, "minute": 16}
